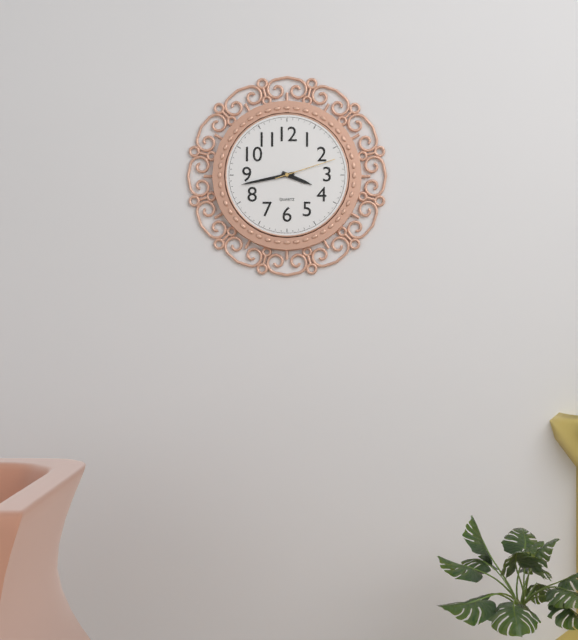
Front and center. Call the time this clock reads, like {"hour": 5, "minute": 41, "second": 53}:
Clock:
{"hour": 3, "minute": 43, "second": 12}
